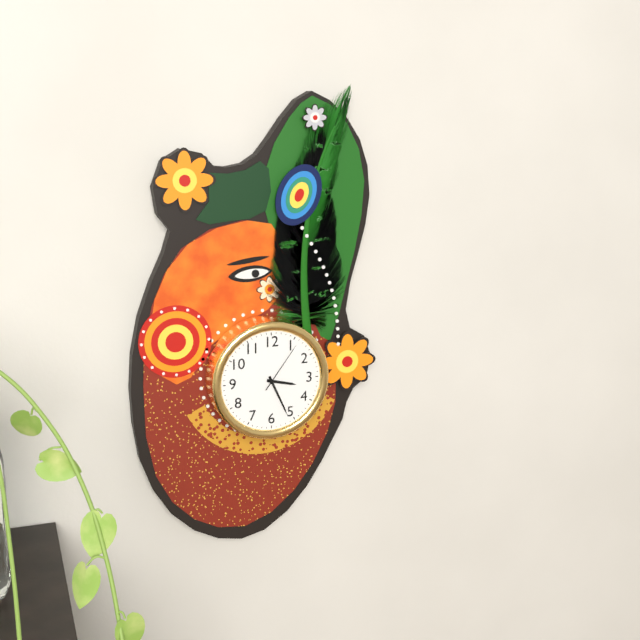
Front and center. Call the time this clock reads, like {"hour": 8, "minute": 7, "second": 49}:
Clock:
{"hour": 3, "minute": 26, "second": 6}
